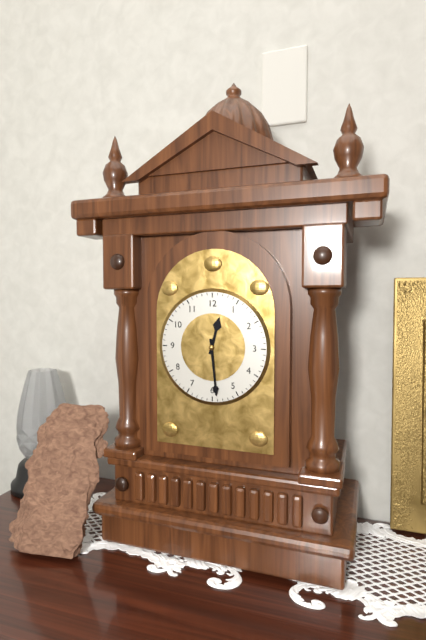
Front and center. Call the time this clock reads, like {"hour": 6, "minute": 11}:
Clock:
{"hour": 12, "minute": 29}
